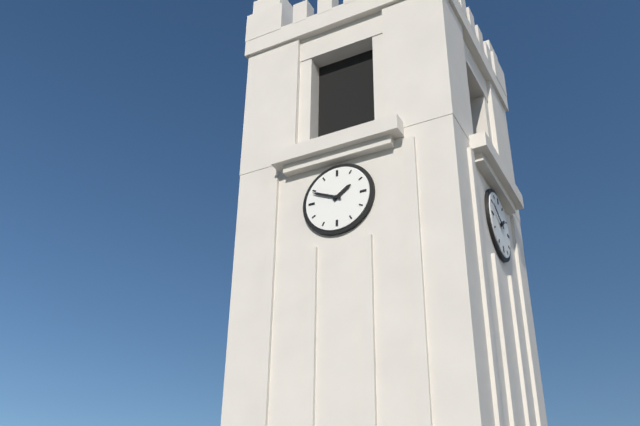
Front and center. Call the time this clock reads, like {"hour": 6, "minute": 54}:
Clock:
{"hour": 1, "minute": 49}
